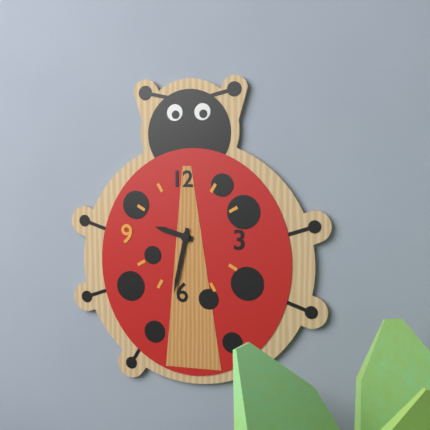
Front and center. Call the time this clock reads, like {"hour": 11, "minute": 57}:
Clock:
{"hour": 9, "minute": 32}
